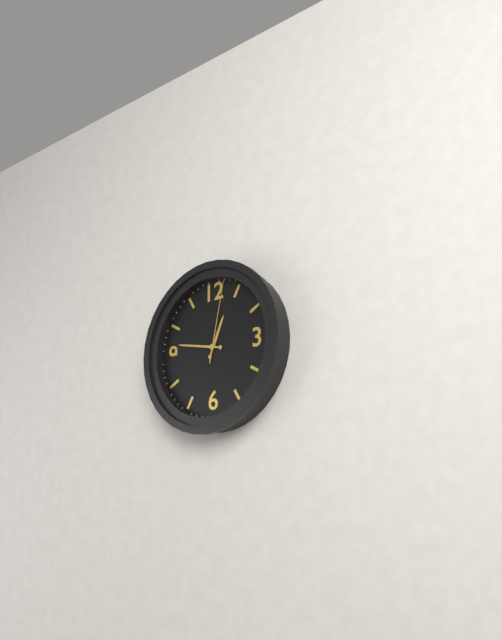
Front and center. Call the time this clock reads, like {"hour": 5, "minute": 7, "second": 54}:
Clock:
{"hour": 12, "minute": 47, "second": 2}
